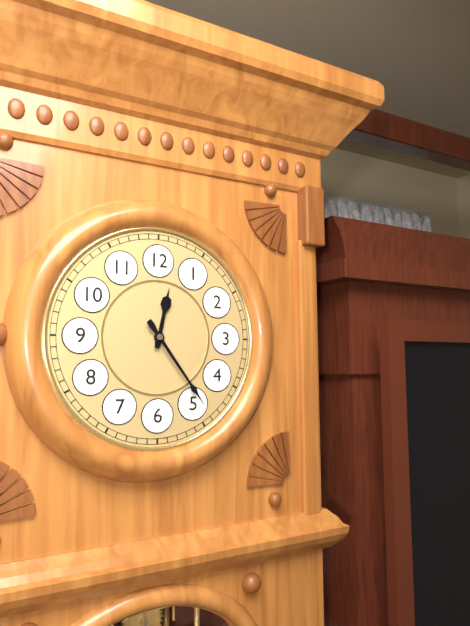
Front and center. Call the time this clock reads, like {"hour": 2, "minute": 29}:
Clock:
{"hour": 12, "minute": 24}
